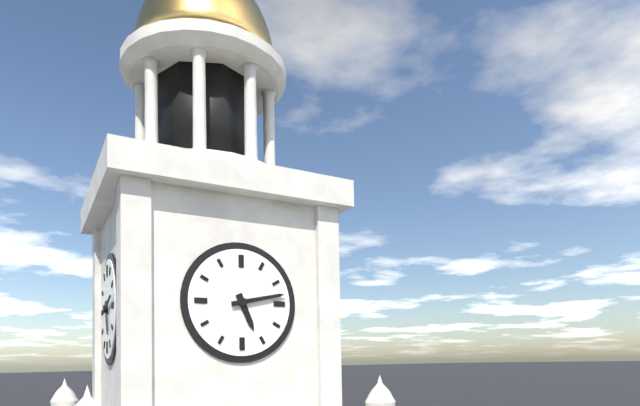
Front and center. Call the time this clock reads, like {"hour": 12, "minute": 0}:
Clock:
{"hour": 5, "minute": 13}
